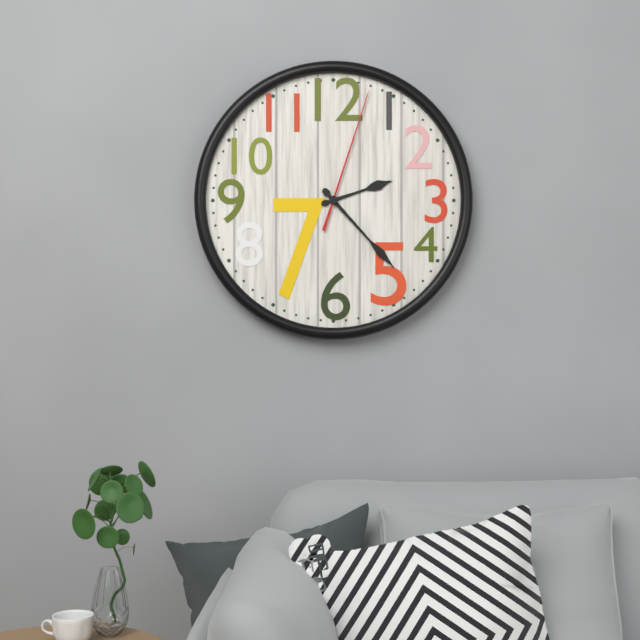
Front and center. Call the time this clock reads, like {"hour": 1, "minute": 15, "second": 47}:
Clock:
{"hour": 2, "minute": 23, "second": 3}
